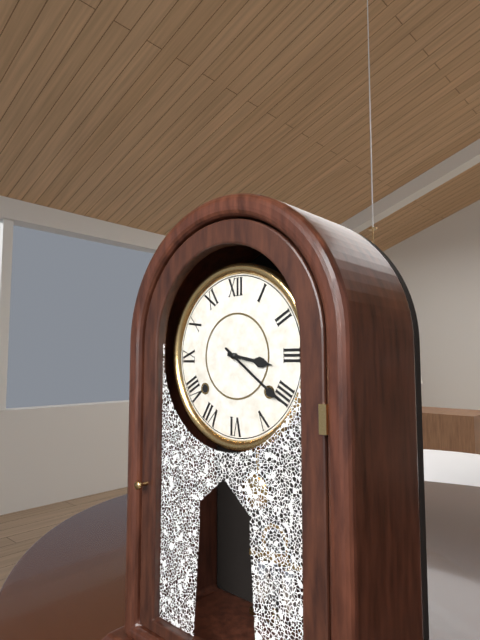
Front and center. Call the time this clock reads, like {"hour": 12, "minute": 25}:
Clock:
{"hour": 3, "minute": 21}
